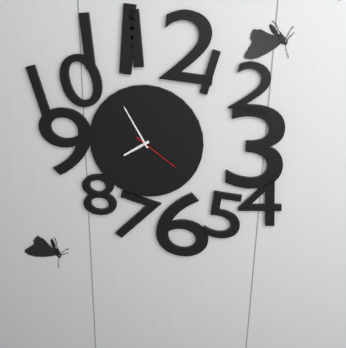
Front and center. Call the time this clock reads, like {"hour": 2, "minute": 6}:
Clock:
{"hour": 7, "minute": 55}
